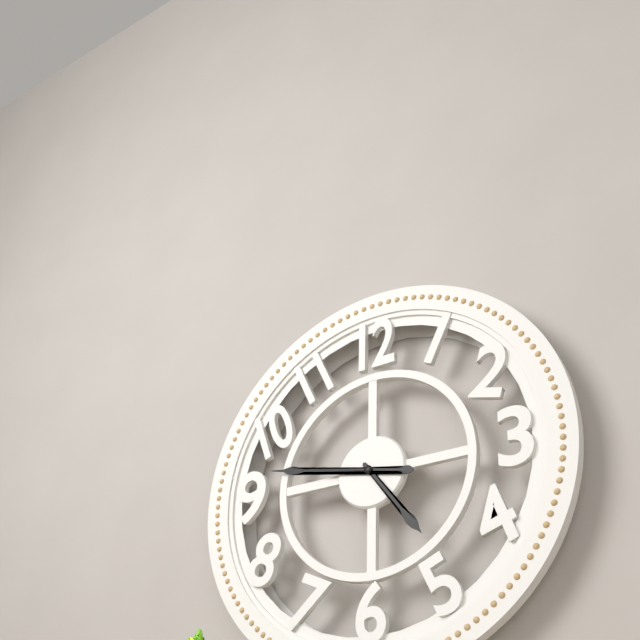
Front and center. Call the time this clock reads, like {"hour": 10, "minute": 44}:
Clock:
{"hour": 4, "minute": 47}
